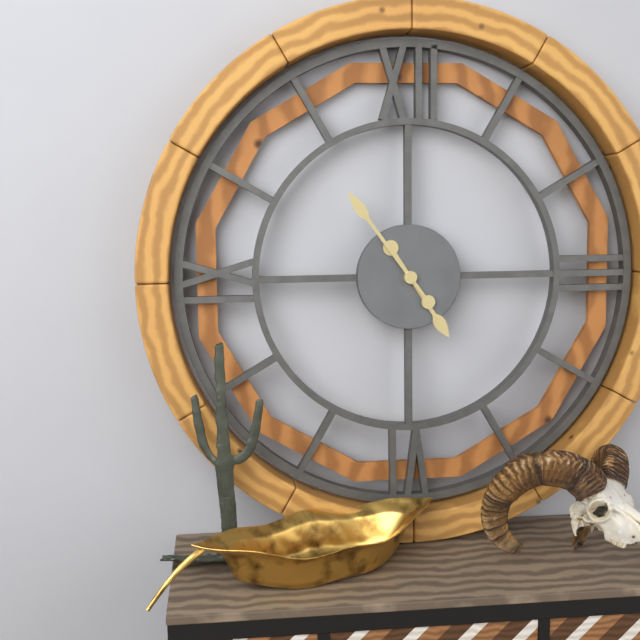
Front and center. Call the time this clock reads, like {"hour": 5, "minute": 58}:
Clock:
{"hour": 4, "minute": 54}
